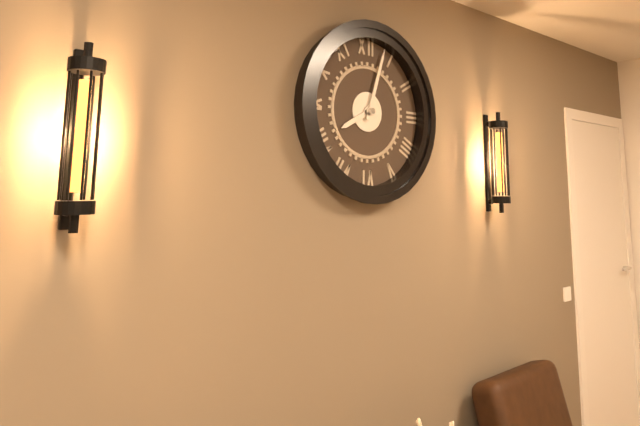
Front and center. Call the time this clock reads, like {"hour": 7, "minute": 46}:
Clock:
{"hour": 8, "minute": 3}
